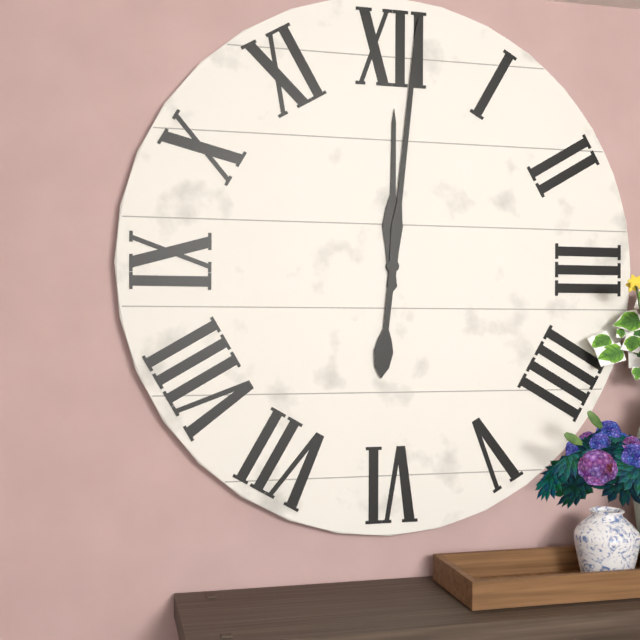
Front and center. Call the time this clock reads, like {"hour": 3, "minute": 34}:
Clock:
{"hour": 12, "minute": 1}
